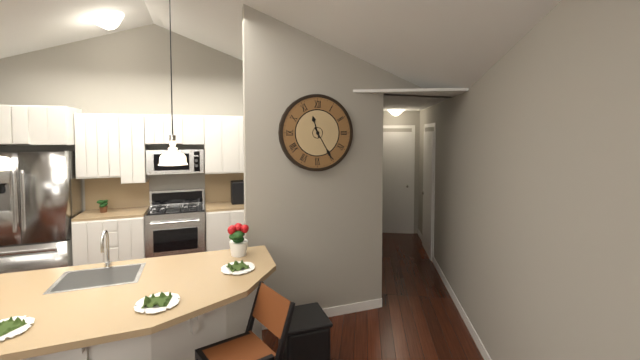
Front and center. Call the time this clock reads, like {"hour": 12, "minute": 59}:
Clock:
{"hour": 11, "minute": 25}
